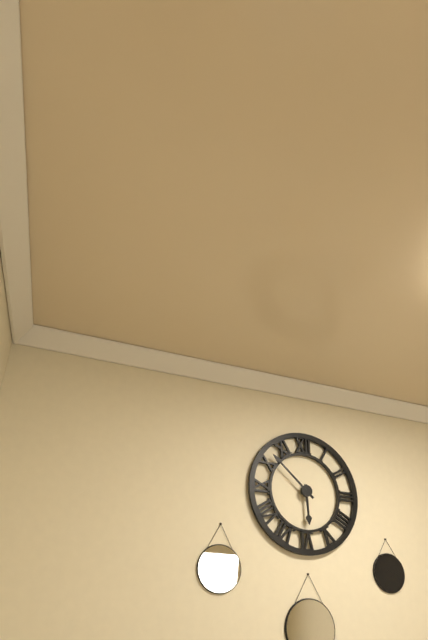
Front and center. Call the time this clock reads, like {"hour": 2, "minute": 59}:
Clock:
{"hour": 5, "minute": 52}
